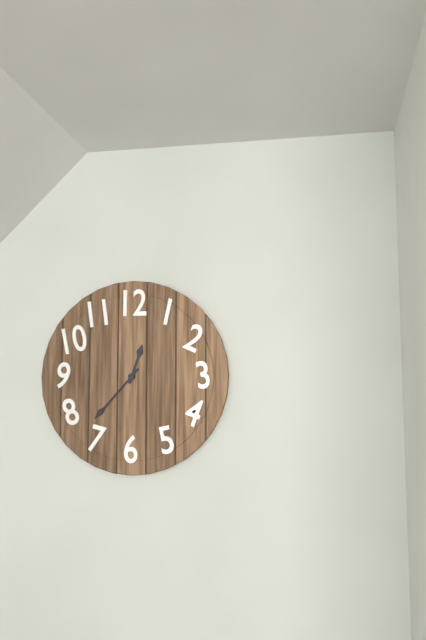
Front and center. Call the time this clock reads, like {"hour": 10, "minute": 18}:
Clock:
{"hour": 12, "minute": 37}
